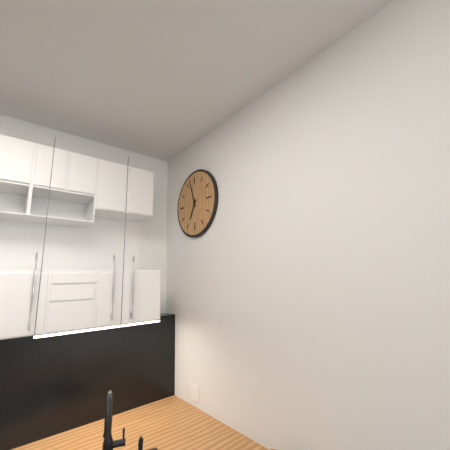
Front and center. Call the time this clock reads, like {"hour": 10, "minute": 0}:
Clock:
{"hour": 6, "minute": 57}
